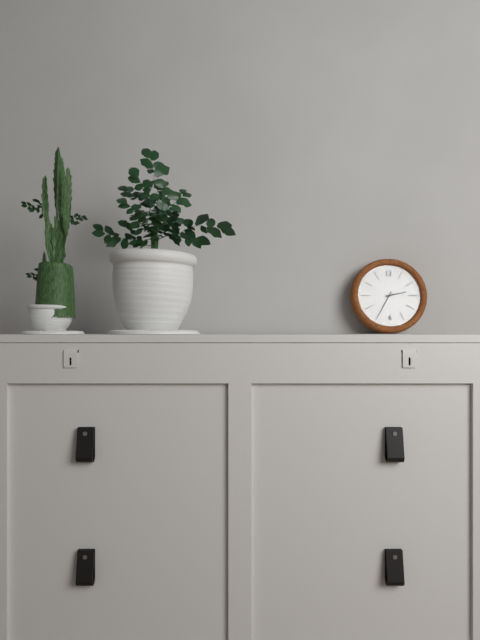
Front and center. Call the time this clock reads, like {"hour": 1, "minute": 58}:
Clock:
{"hour": 2, "minute": 35}
